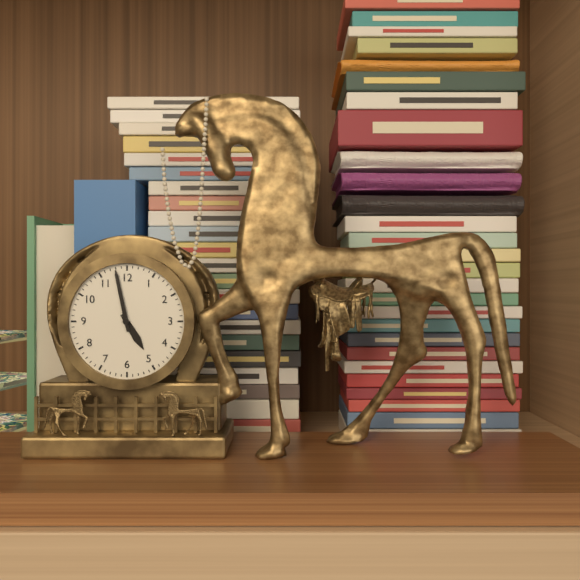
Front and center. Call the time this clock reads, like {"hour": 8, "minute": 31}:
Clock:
{"hour": 4, "minute": 58}
